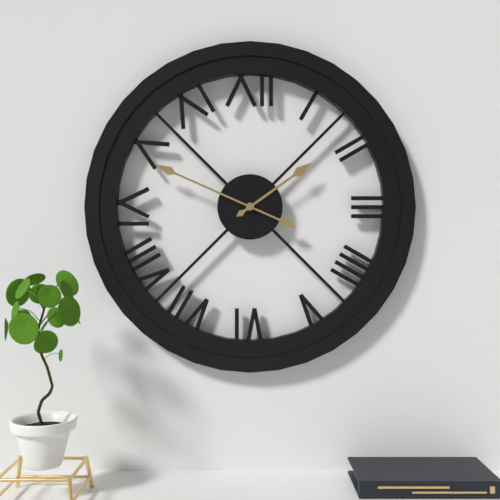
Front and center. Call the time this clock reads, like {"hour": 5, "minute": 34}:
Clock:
{"hour": 1, "minute": 49}
